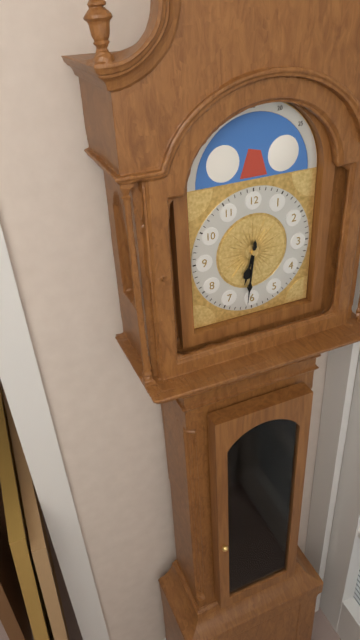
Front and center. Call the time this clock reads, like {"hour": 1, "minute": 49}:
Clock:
{"hour": 6, "minute": 31}
